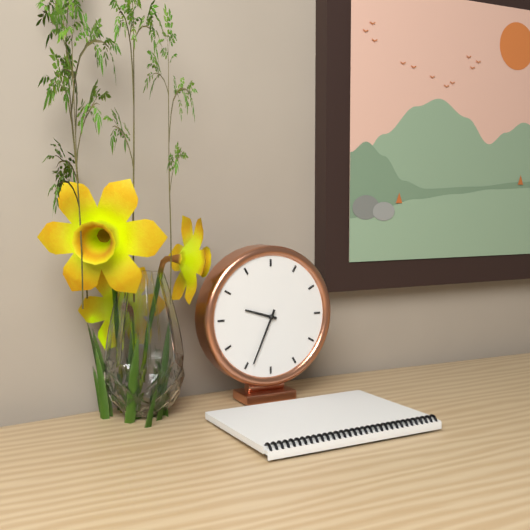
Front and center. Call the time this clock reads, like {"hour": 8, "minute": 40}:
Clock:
{"hour": 9, "minute": 34}
